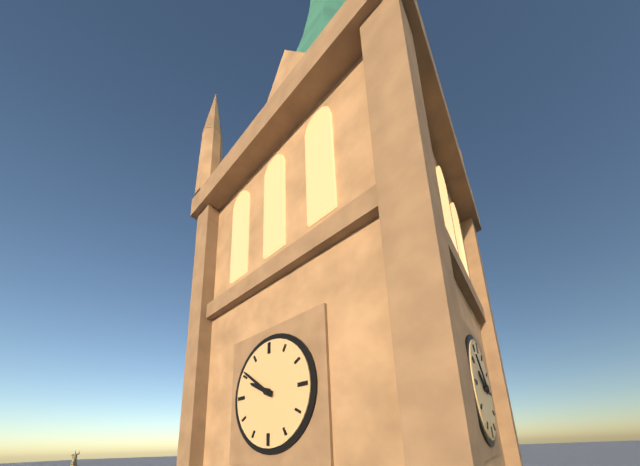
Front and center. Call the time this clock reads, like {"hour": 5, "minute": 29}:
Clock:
{"hour": 9, "minute": 51}
